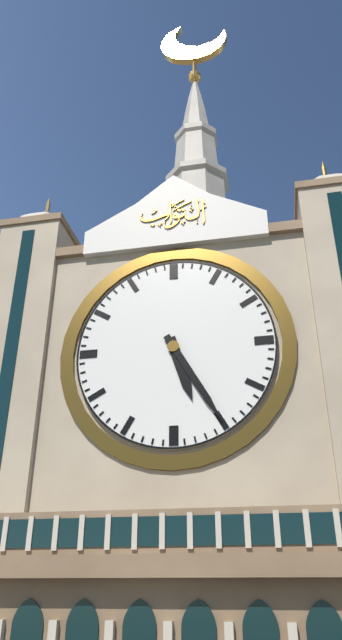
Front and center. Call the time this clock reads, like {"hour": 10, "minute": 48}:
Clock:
{"hour": 5, "minute": 25}
